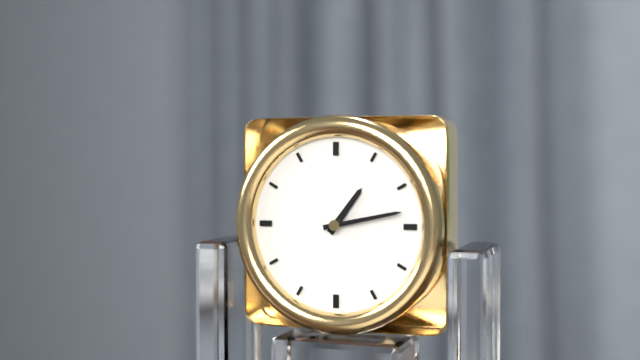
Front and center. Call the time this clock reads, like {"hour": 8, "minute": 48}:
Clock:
{"hour": 1, "minute": 13}
